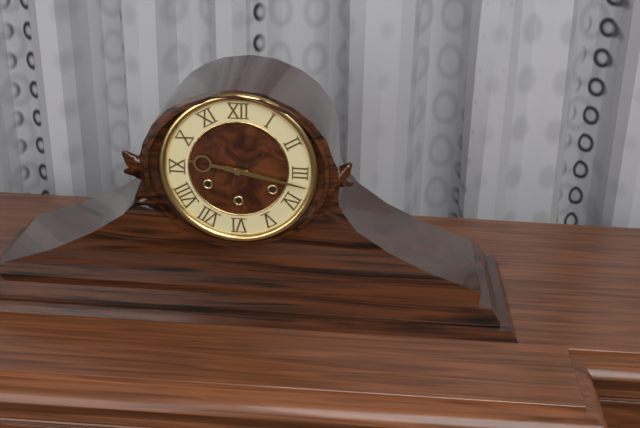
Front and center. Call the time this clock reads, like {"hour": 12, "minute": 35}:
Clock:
{"hour": 9, "minute": 17}
